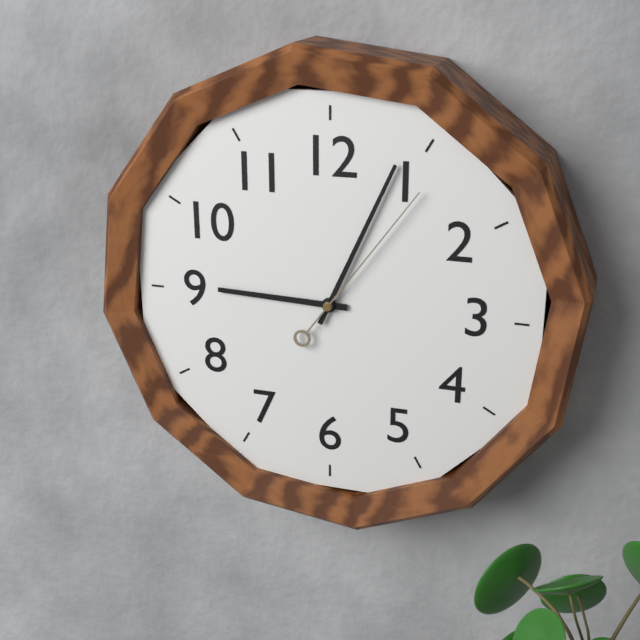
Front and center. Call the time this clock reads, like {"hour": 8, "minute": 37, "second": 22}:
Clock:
{"hour": 9, "minute": 4, "second": 6}
